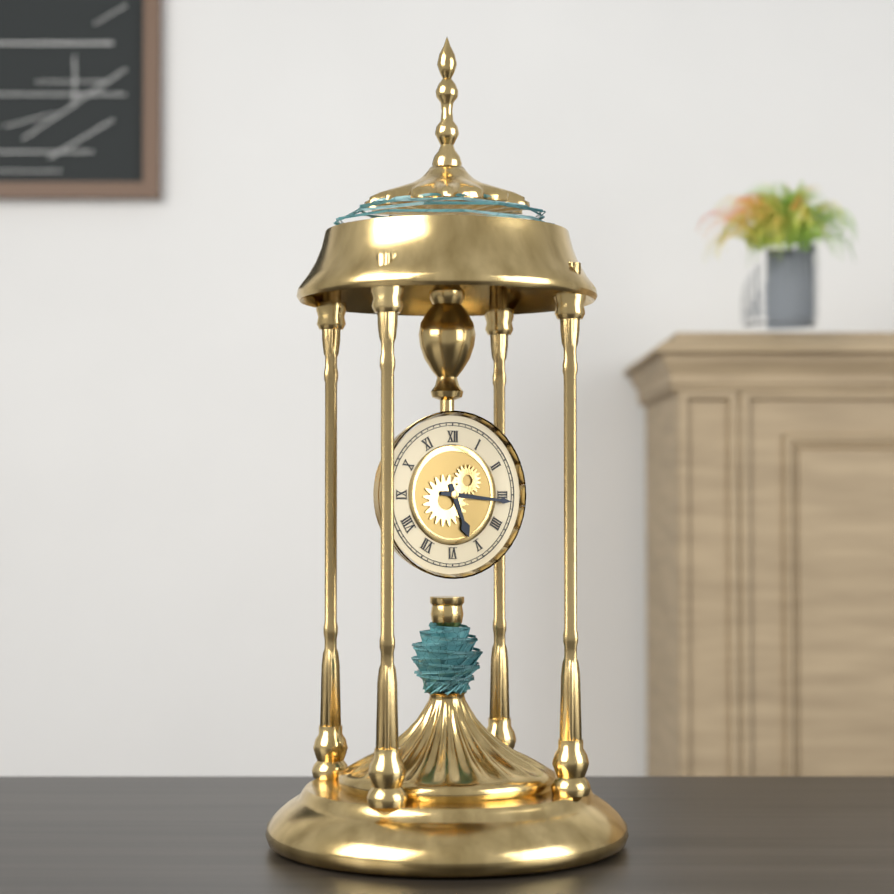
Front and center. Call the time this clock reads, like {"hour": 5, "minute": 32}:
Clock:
{"hour": 5, "minute": 16}
